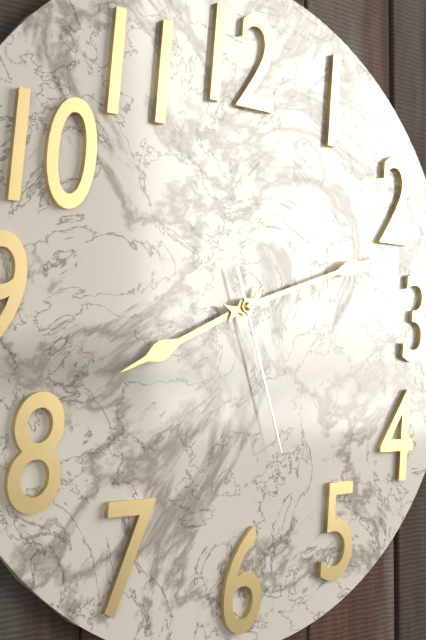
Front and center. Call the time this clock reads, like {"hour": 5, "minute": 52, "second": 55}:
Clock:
{"hour": 8, "minute": 12, "second": 27}
